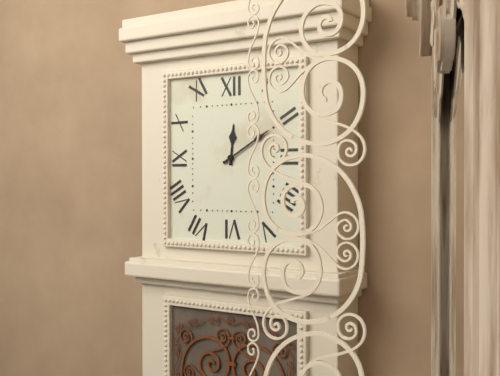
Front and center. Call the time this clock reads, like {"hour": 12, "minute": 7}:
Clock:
{"hour": 12, "minute": 10}
